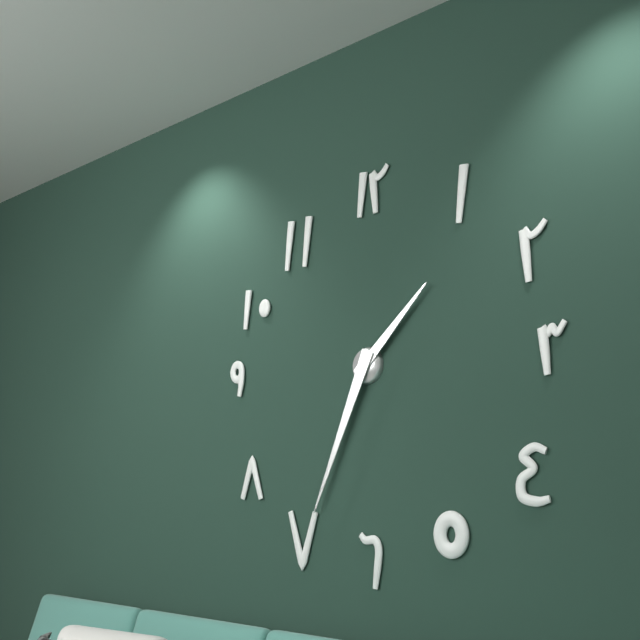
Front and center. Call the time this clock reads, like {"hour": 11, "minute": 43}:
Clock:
{"hour": 1, "minute": 34}
